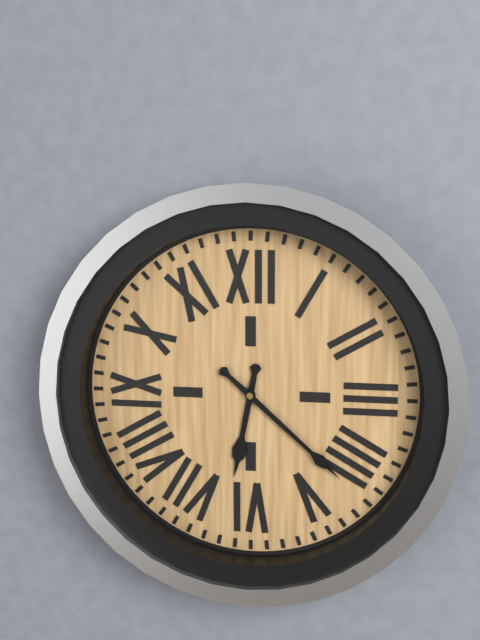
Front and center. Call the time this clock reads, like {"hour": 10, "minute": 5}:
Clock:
{"hour": 6, "minute": 22}
